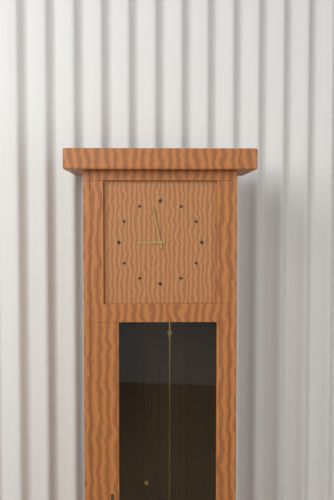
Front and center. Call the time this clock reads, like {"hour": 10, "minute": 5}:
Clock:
{"hour": 8, "minute": 58}
